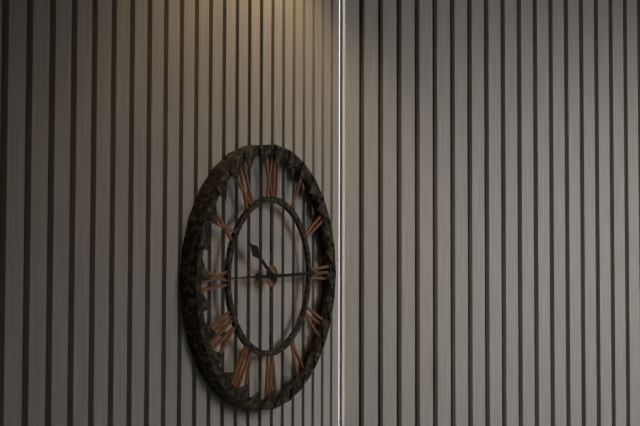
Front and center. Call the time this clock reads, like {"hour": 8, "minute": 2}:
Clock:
{"hour": 10, "minute": 15}
